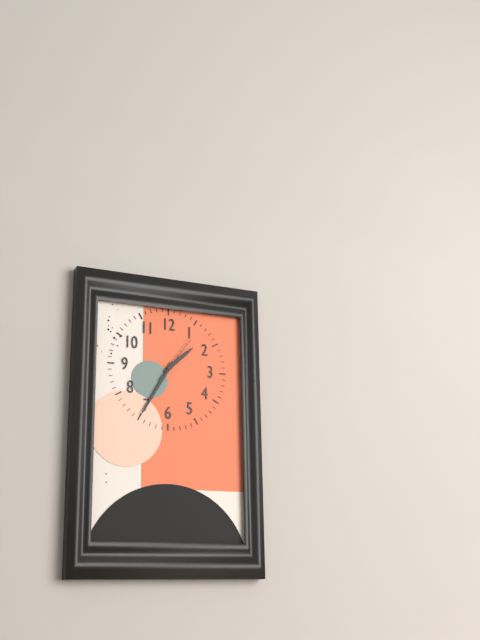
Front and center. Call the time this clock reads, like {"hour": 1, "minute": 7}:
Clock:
{"hour": 1, "minute": 35}
